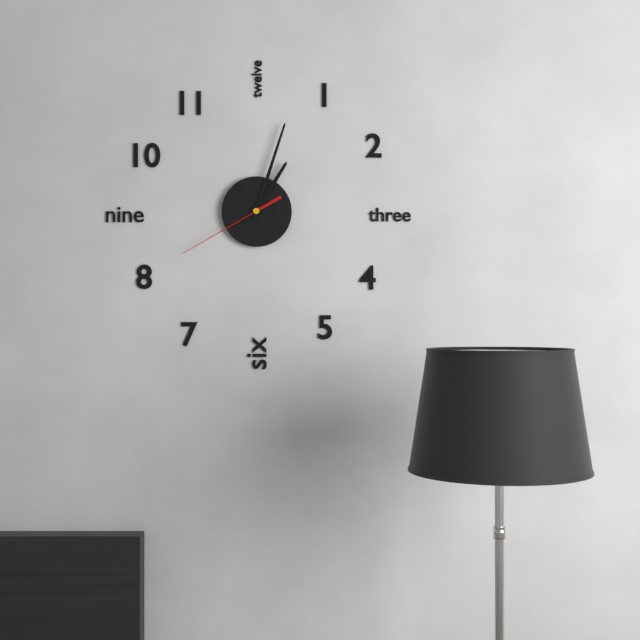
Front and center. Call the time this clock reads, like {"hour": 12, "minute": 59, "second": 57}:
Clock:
{"hour": 1, "minute": 3, "second": 40}
